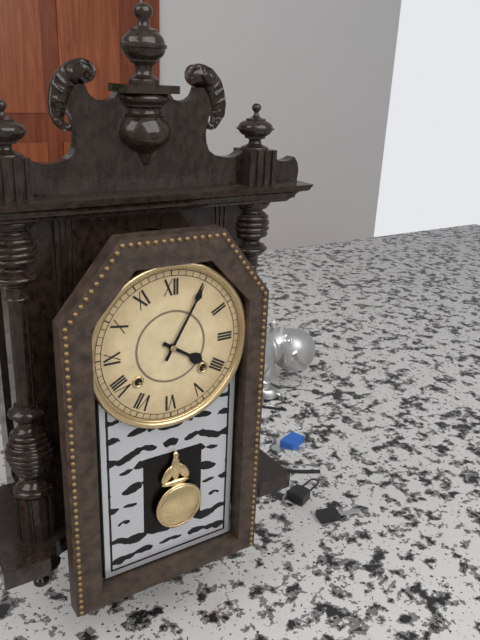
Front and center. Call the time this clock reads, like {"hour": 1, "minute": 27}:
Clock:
{"hour": 4, "minute": 5}
